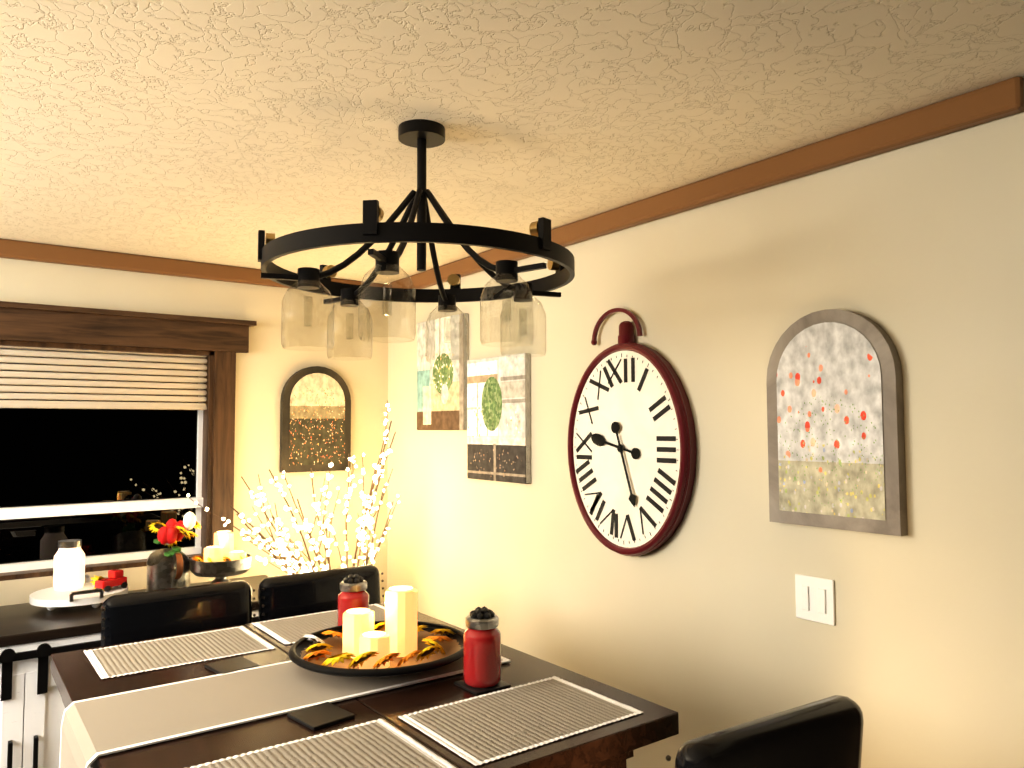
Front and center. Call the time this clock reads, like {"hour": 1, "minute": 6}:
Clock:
{"hour": 9, "minute": 27}
